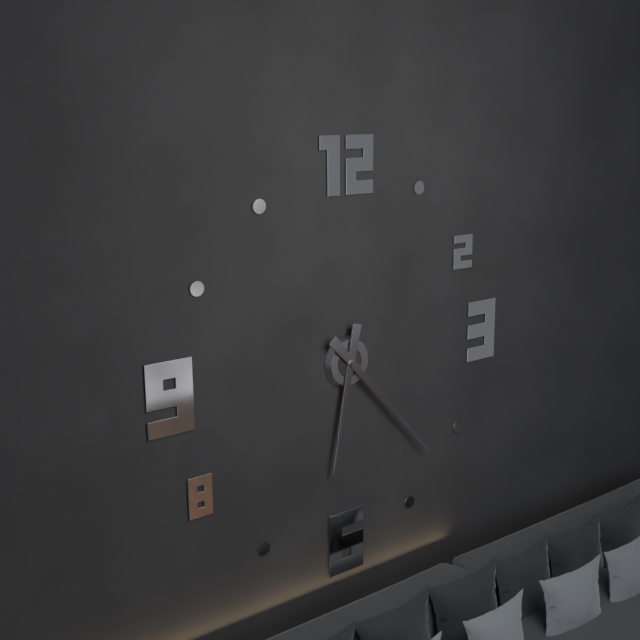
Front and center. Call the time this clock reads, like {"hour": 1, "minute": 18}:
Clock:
{"hour": 6, "minute": 23}
